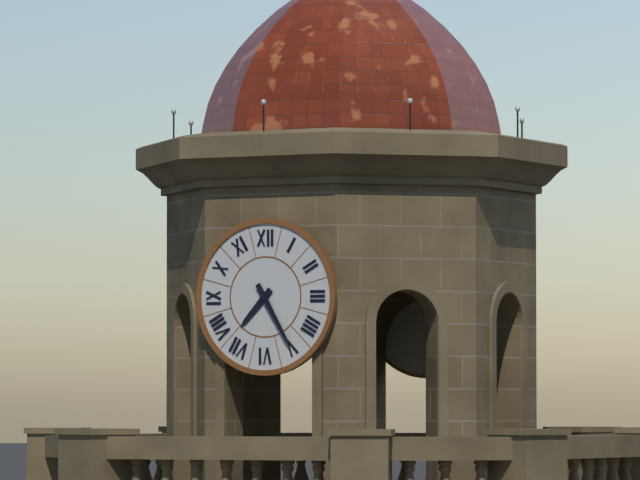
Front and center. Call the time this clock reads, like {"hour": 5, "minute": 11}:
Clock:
{"hour": 7, "minute": 25}
